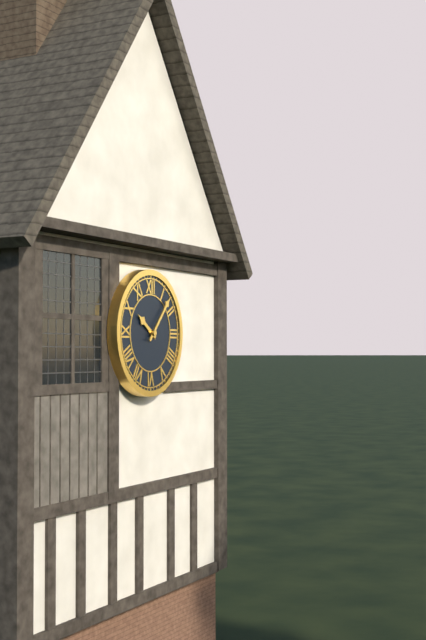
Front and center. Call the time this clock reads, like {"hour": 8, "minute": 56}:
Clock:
{"hour": 10, "minute": 7}
